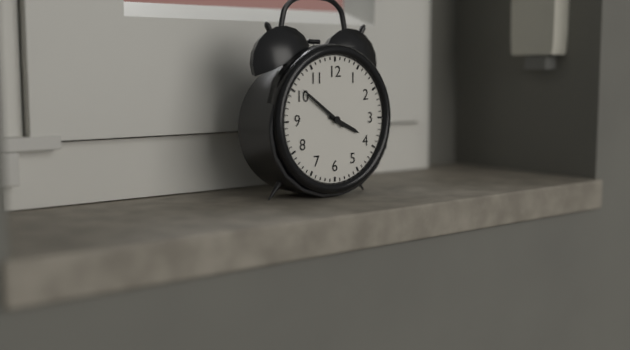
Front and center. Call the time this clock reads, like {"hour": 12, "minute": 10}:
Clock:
{"hour": 3, "minute": 51}
